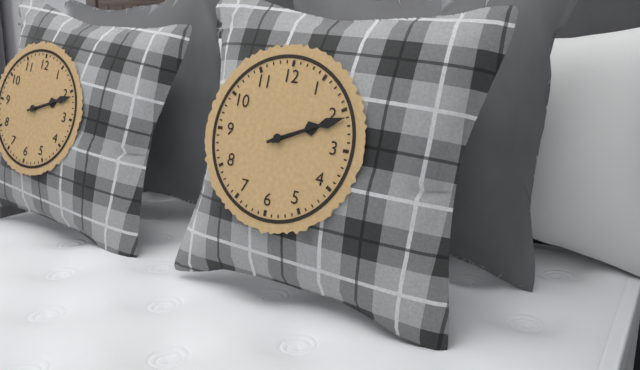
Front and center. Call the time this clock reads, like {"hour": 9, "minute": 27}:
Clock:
{"hour": 2, "minute": 11}
